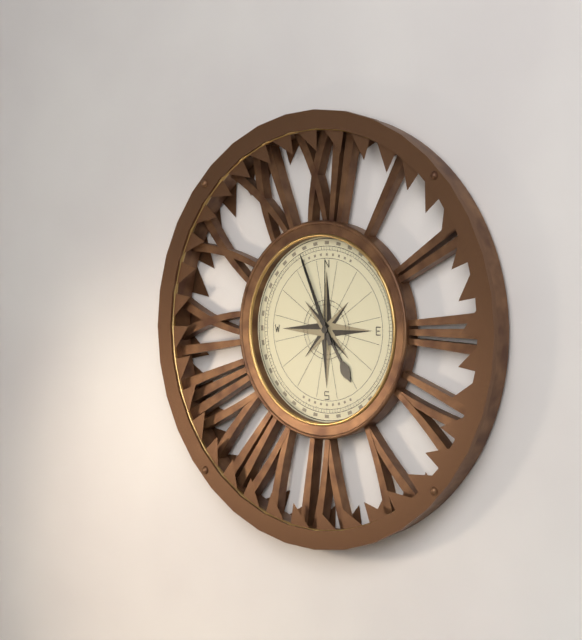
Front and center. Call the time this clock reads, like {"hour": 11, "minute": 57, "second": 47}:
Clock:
{"hour": 4, "minute": 56, "second": 0}
